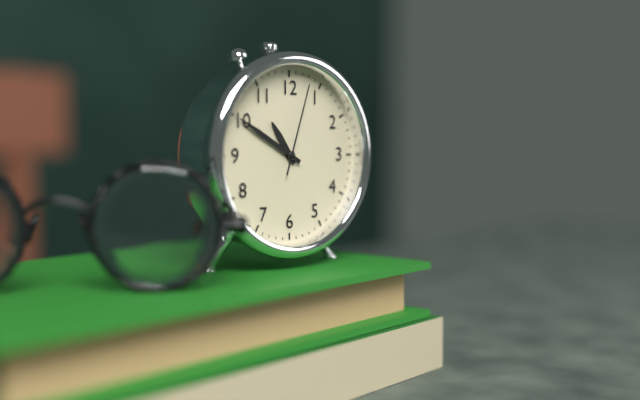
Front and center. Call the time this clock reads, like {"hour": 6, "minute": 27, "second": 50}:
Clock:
{"hour": 10, "minute": 50, "second": 3}
